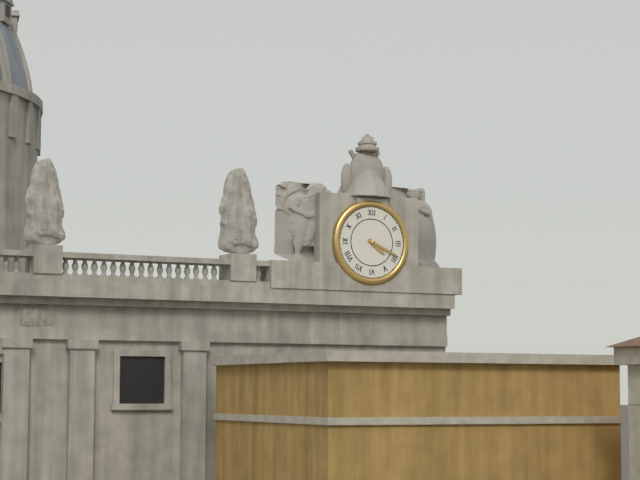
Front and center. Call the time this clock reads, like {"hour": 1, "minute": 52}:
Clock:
{"hour": 4, "minute": 19}
